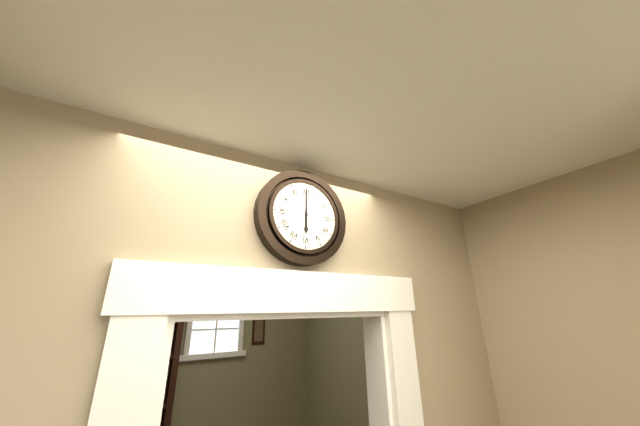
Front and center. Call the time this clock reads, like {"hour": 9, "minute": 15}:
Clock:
{"hour": 6, "minute": 0}
